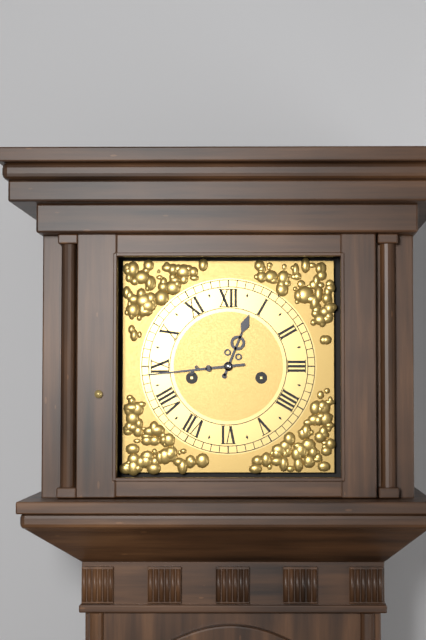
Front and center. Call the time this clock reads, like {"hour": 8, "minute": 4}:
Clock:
{"hour": 12, "minute": 44}
